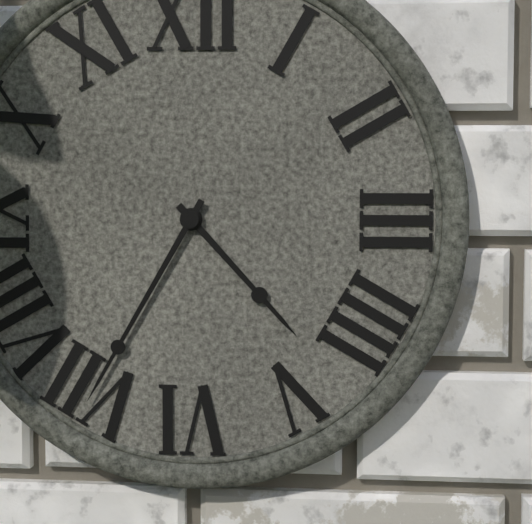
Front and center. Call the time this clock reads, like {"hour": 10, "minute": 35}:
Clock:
{"hour": 4, "minute": 35}
